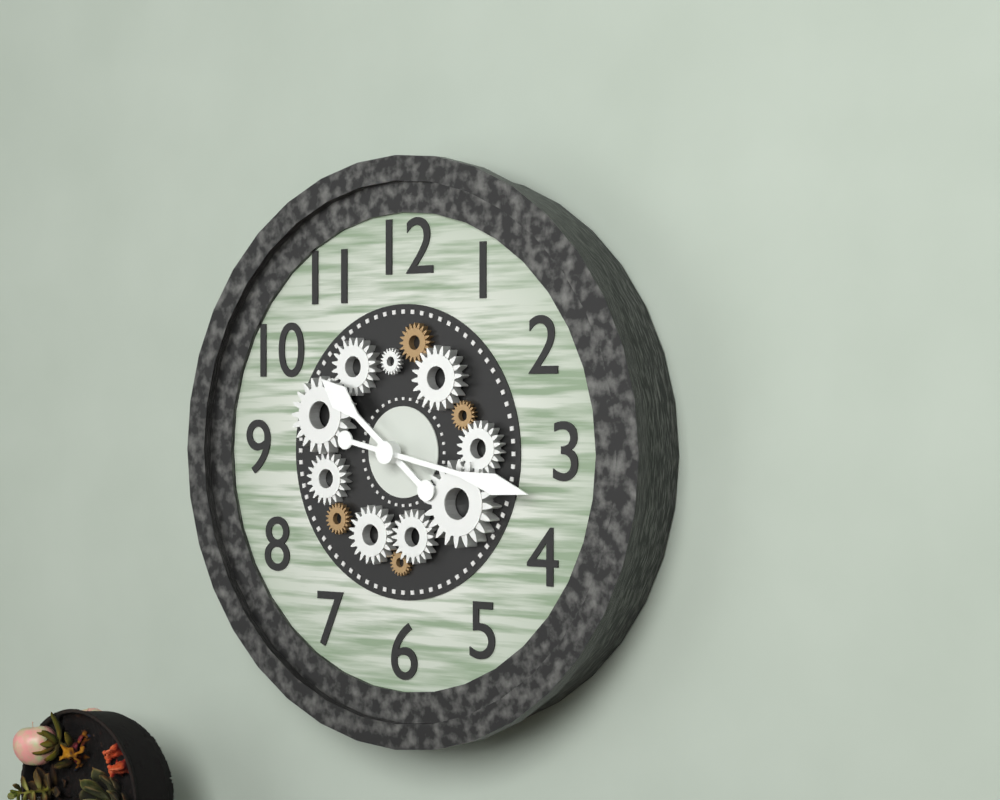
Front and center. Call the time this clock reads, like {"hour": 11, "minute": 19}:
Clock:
{"hour": 10, "minute": 17}
